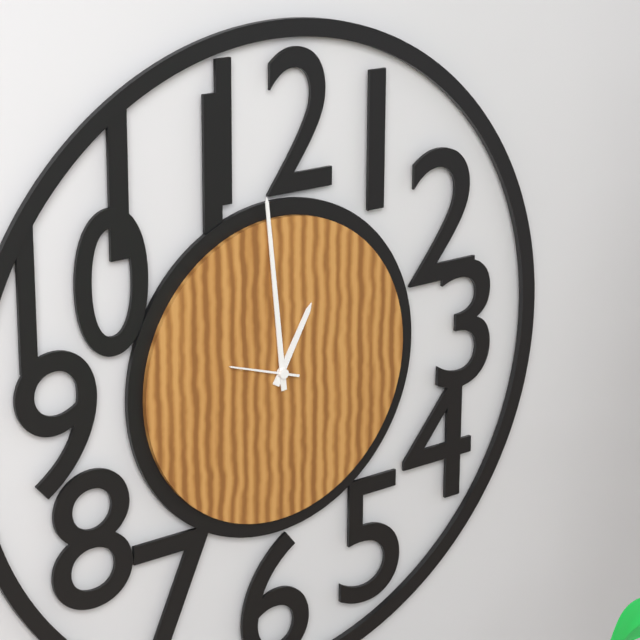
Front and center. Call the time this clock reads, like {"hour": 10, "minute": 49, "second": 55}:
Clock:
{"hour": 12, "minute": 59, "second": 48}
